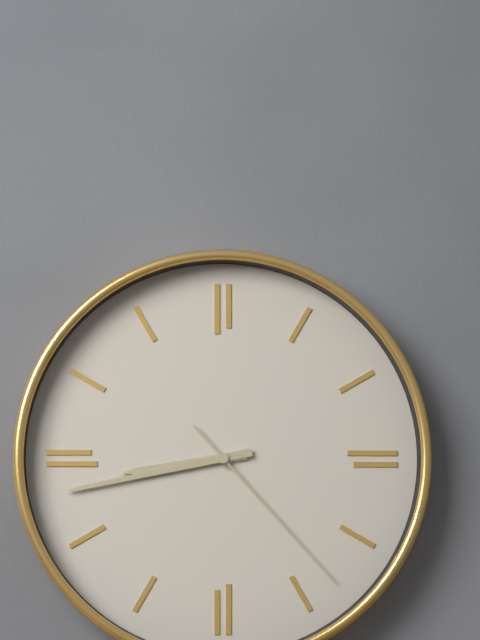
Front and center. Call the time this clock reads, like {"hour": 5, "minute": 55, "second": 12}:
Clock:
{"hour": 8, "minute": 43, "second": 23}
